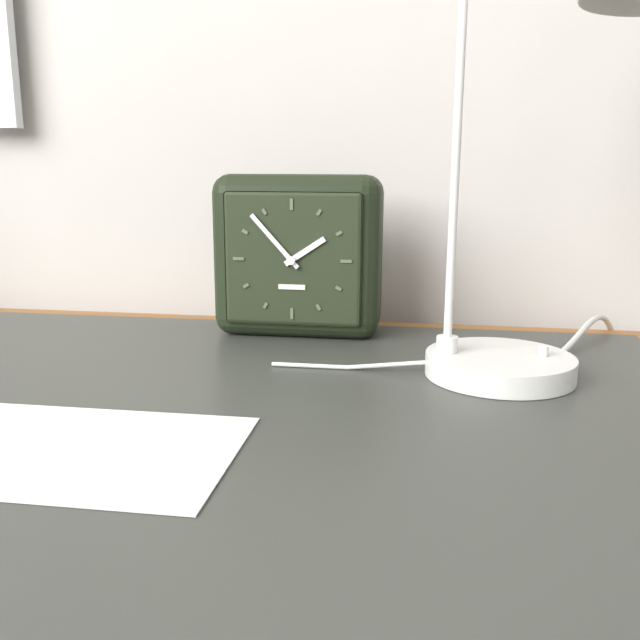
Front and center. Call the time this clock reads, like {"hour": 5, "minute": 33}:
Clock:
{"hour": 1, "minute": 53}
